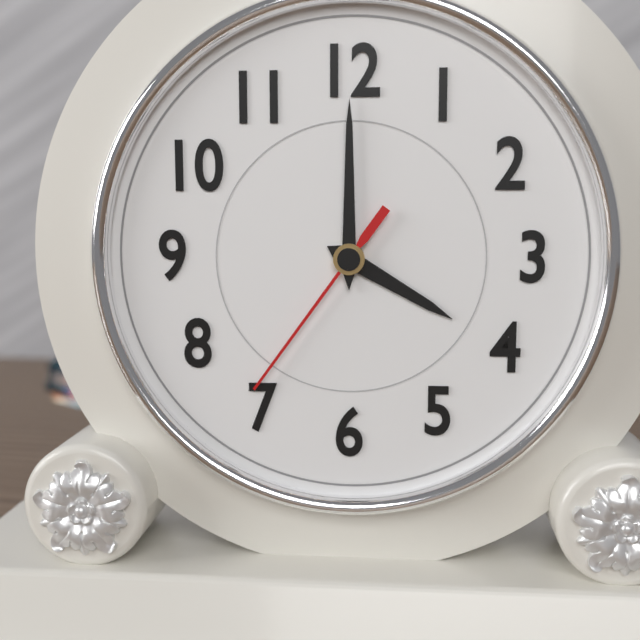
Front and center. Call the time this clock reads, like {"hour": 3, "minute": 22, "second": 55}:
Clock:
{"hour": 4, "minute": 0, "second": 36}
